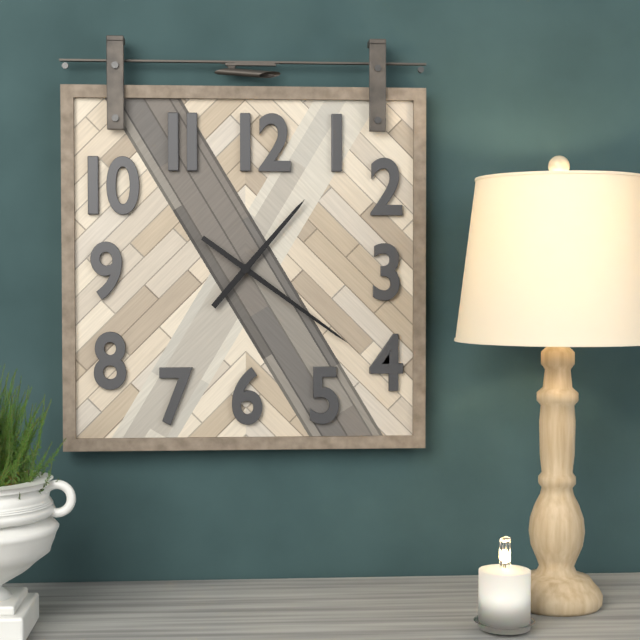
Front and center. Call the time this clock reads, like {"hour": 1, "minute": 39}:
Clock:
{"hour": 1, "minute": 21}
